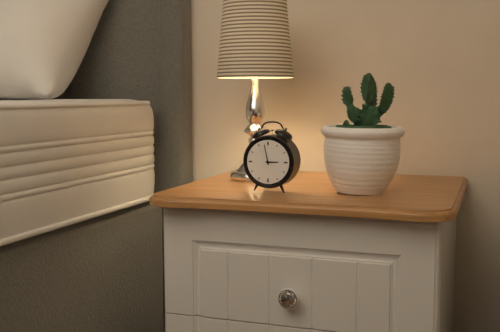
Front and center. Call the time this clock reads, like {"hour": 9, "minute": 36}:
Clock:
{"hour": 2, "minute": 58}
